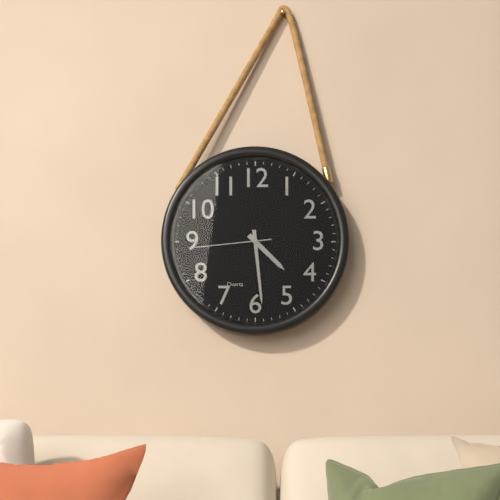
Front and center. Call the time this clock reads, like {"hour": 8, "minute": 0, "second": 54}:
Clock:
{"hour": 4, "minute": 29, "second": 44}
